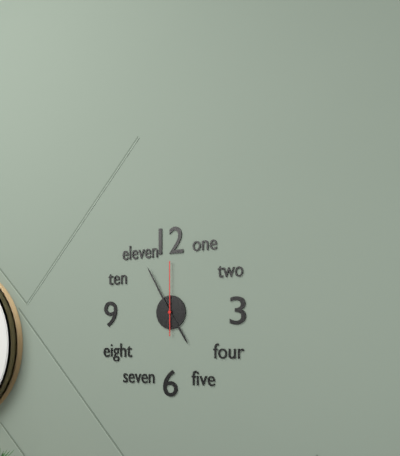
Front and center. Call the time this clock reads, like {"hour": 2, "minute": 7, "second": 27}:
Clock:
{"hour": 4, "minute": 55, "second": 0}
